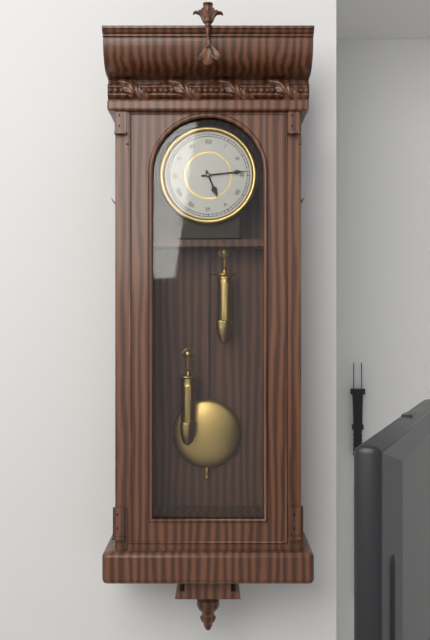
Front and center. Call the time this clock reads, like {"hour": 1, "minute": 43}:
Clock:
{"hour": 5, "minute": 14}
